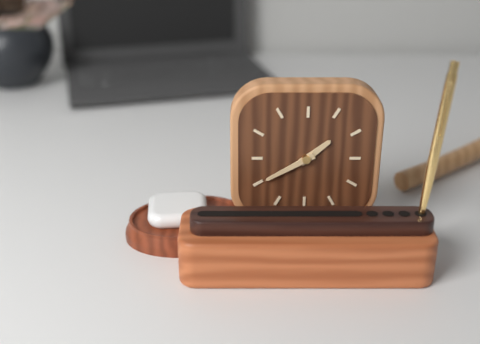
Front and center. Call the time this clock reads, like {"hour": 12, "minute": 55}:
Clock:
{"hour": 1, "minute": 40}
